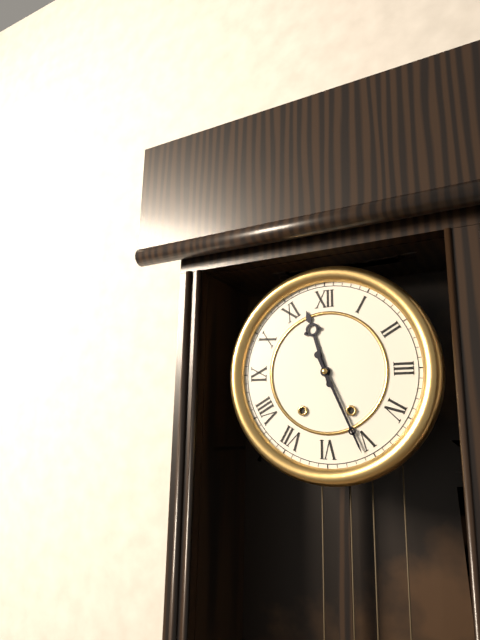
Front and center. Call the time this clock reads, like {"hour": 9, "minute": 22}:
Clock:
{"hour": 11, "minute": 26}
